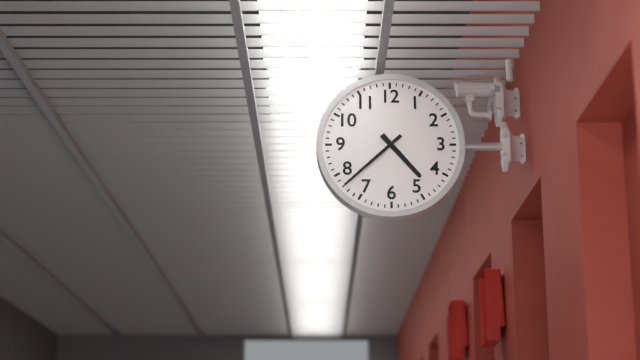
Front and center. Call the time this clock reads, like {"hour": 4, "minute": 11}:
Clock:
{"hour": 4, "minute": 38}
